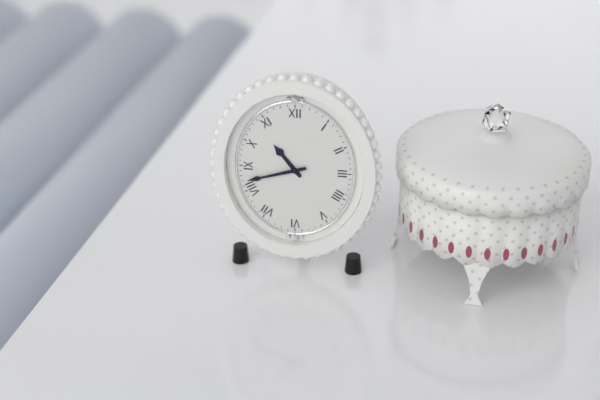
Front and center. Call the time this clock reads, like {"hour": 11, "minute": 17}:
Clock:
{"hour": 10, "minute": 42}
